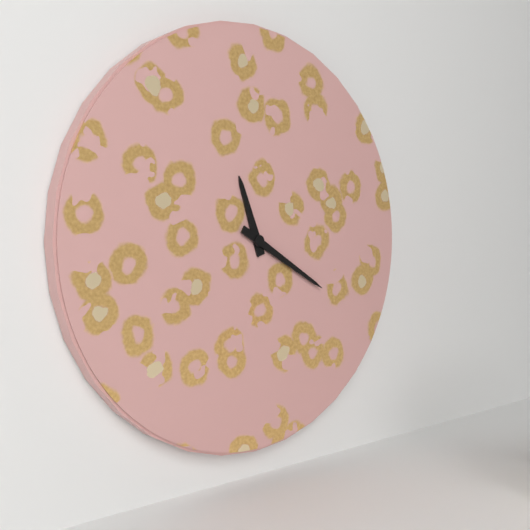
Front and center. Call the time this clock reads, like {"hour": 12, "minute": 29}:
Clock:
{"hour": 11, "minute": 20}
